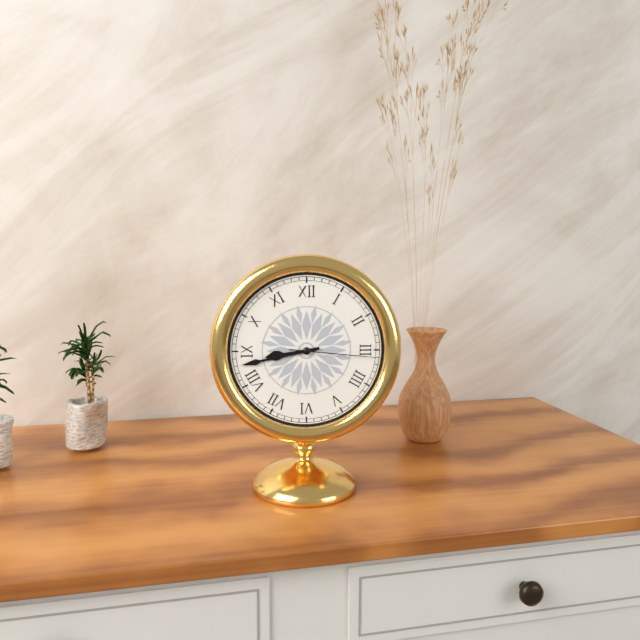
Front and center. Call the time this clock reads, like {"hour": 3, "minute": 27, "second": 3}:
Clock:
{"hour": 8, "minute": 43, "second": 16}
